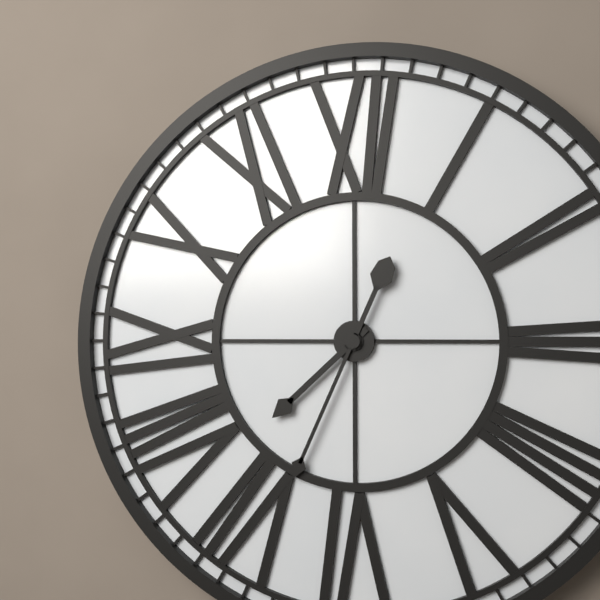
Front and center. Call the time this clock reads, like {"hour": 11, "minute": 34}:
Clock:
{"hour": 7, "minute": 34}
